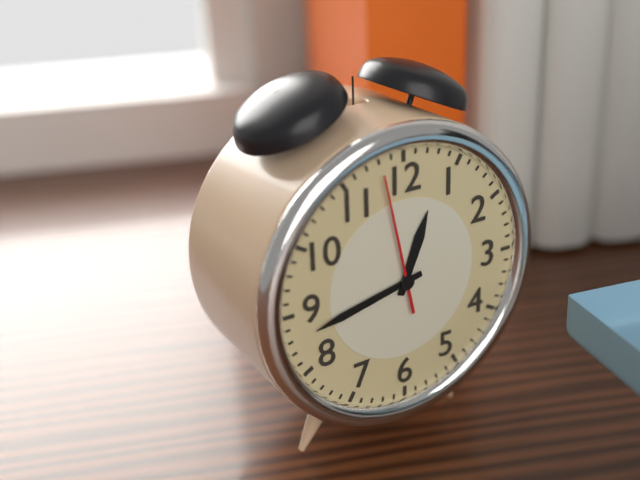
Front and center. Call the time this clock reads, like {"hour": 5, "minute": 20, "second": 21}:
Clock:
{"hour": 12, "minute": 43, "second": 58}
